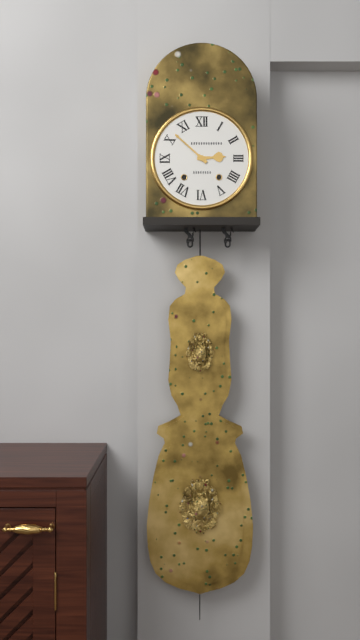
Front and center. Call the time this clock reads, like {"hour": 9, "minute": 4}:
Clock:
{"hour": 2, "minute": 52}
